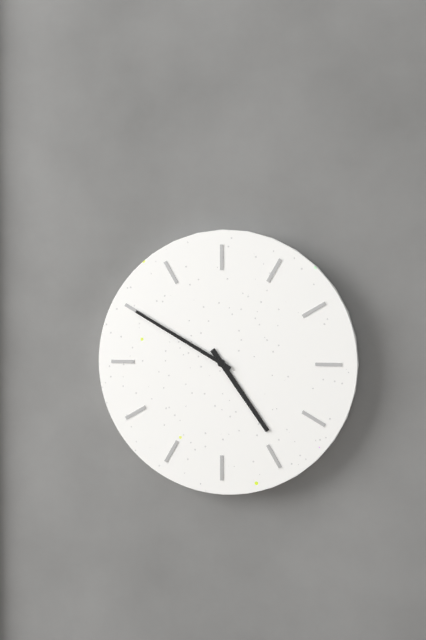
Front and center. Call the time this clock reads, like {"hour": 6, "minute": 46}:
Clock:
{"hour": 4, "minute": 50}
